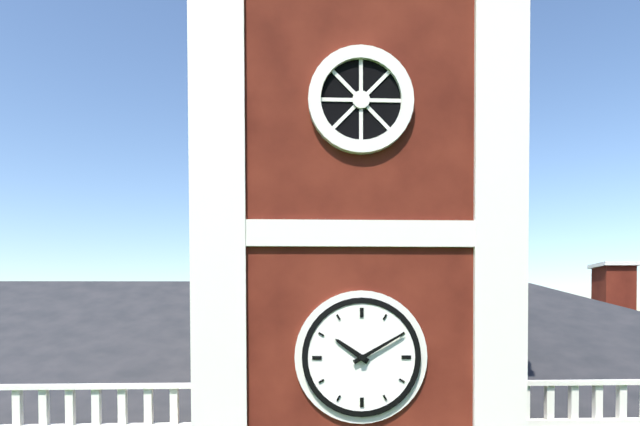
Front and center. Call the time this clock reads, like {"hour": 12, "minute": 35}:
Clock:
{"hour": 10, "minute": 10}
